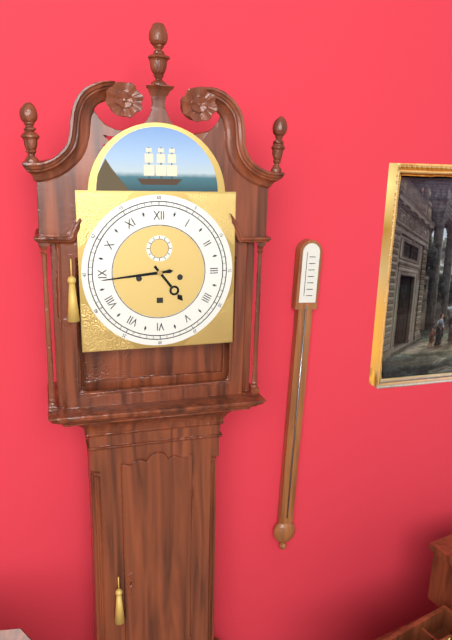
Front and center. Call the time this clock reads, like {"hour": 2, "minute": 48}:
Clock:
{"hour": 4, "minute": 44}
